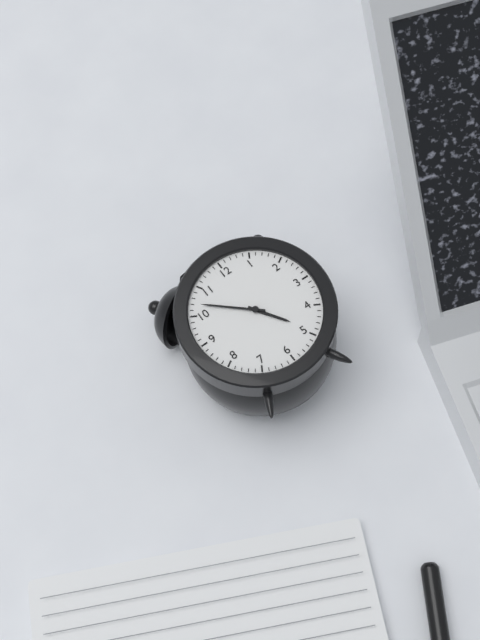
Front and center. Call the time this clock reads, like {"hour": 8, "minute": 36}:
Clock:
{"hour": 4, "minute": 52}
